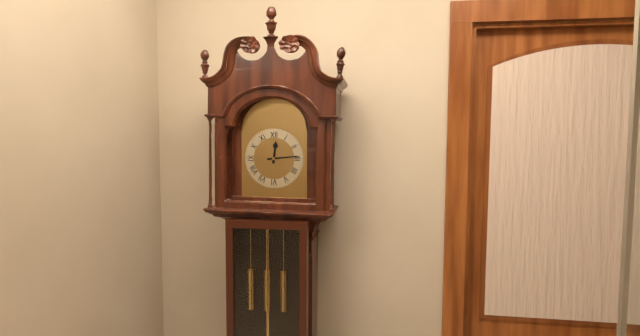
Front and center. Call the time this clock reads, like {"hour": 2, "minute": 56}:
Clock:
{"hour": 12, "minute": 14}
